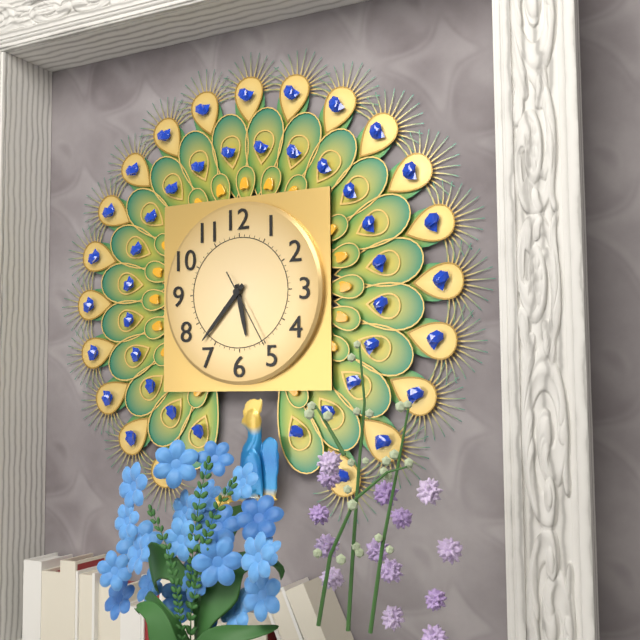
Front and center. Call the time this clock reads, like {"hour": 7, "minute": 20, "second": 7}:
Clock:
{"hour": 5, "minute": 37, "second": 25}
